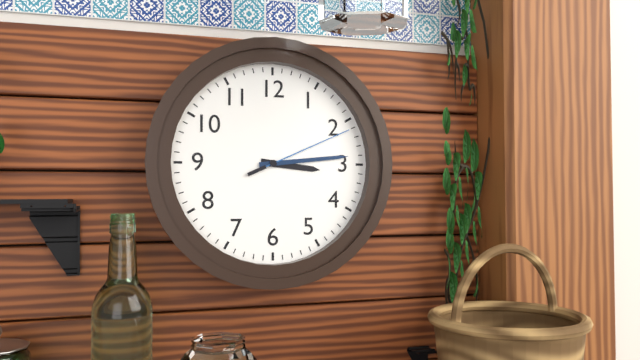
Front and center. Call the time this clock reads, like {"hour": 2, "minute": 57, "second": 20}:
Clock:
{"hour": 3, "minute": 14, "second": 11}
